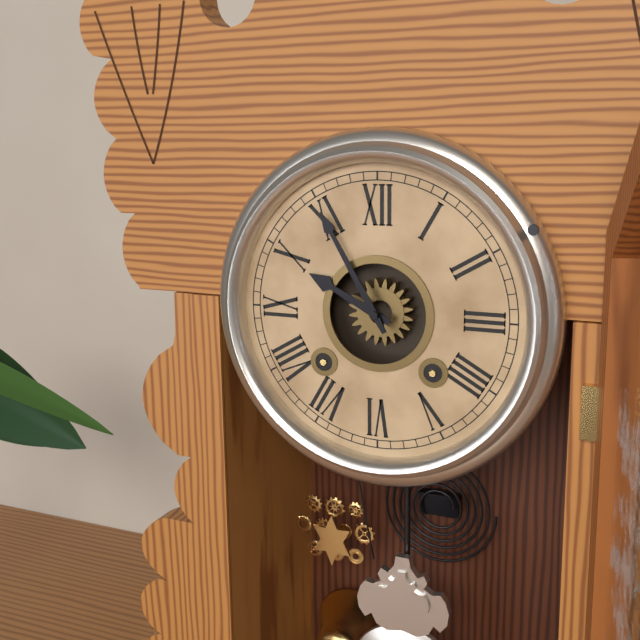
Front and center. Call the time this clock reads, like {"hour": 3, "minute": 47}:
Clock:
{"hour": 9, "minute": 55}
